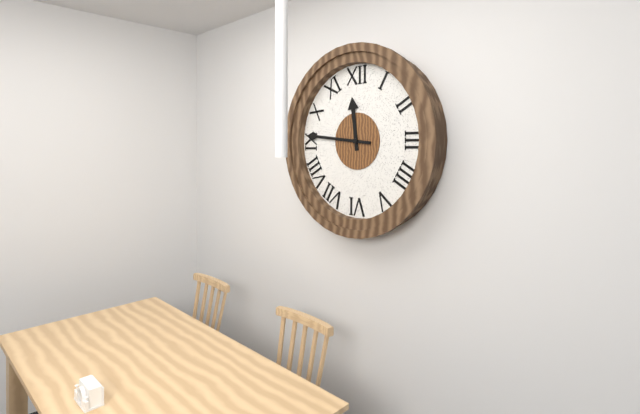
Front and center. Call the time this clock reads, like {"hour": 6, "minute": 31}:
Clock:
{"hour": 11, "minute": 46}
